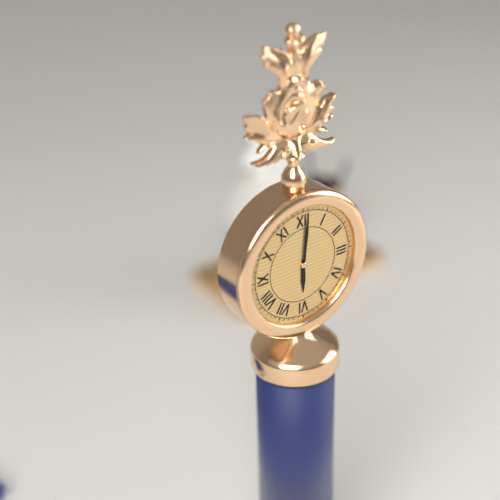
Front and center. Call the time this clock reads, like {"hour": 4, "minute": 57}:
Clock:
{"hour": 6, "minute": 1}
